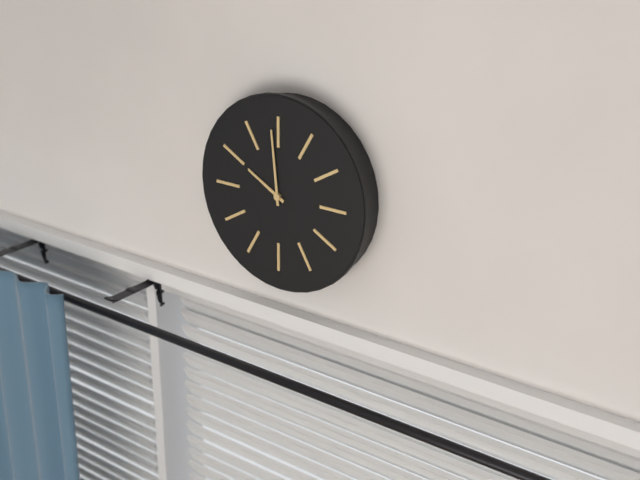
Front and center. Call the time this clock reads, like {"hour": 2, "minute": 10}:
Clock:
{"hour": 9, "minute": 59}
